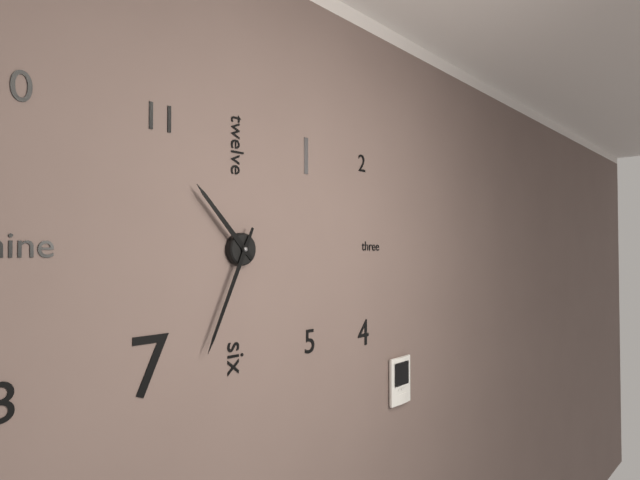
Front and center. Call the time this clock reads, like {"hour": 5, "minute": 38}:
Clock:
{"hour": 10, "minute": 34}
